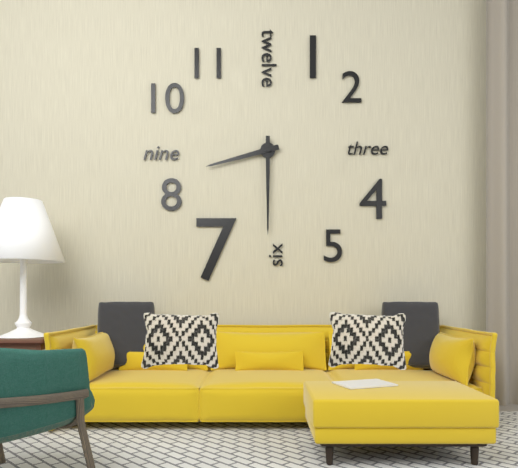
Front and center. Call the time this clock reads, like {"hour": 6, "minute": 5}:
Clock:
{"hour": 8, "minute": 30}
